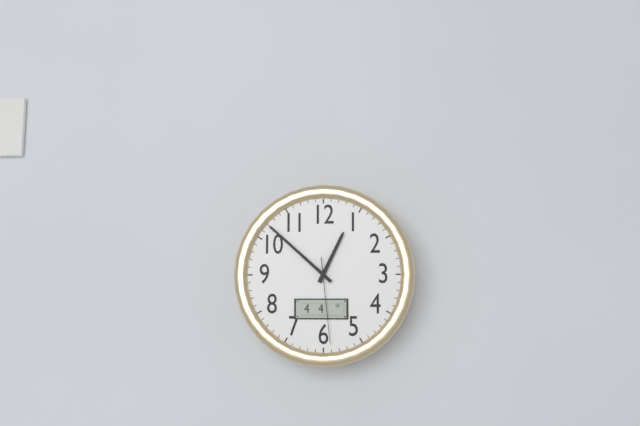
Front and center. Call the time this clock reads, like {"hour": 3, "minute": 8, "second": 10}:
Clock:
{"hour": 12, "minute": 52, "second": 29}
